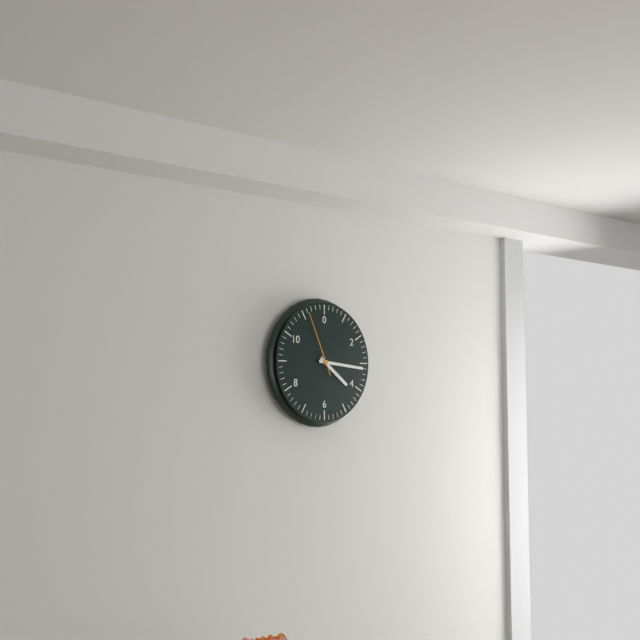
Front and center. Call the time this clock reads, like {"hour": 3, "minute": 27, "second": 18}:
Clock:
{"hour": 4, "minute": 16, "second": 56}
